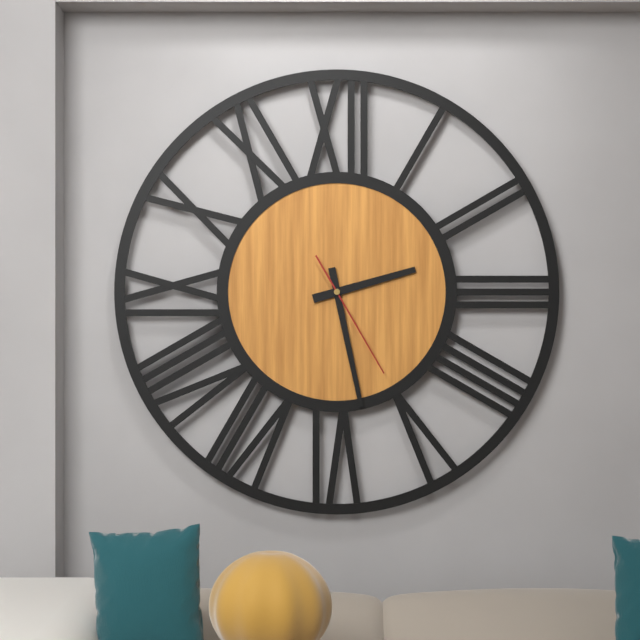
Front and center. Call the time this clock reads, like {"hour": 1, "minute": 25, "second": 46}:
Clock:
{"hour": 2, "minute": 28, "second": 25}
